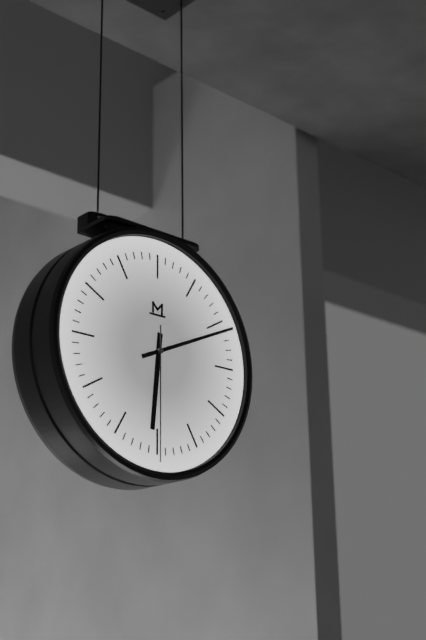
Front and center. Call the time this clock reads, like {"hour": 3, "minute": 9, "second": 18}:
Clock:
{"hour": 6, "minute": 11, "second": 30}
